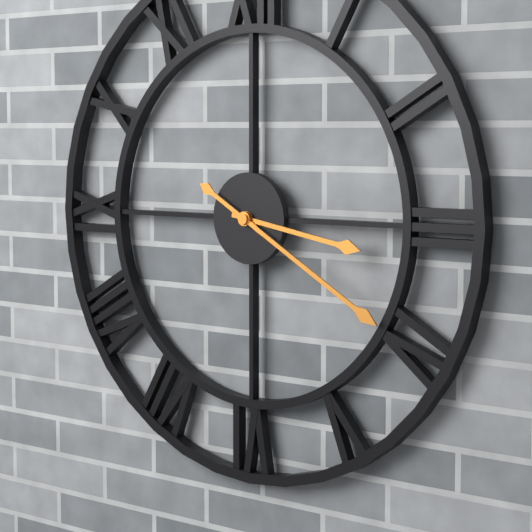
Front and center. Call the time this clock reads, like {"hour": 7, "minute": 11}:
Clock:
{"hour": 3, "minute": 20}
